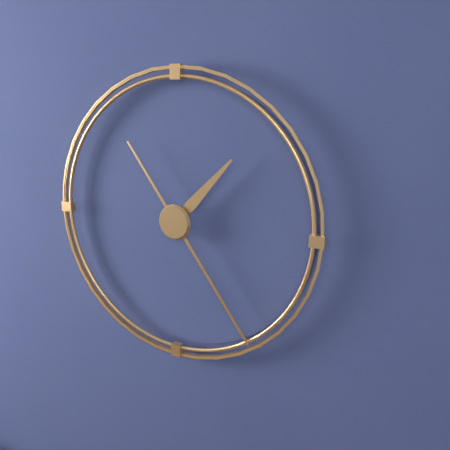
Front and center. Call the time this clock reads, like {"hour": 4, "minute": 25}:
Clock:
{"hour": 1, "minute": 24}
